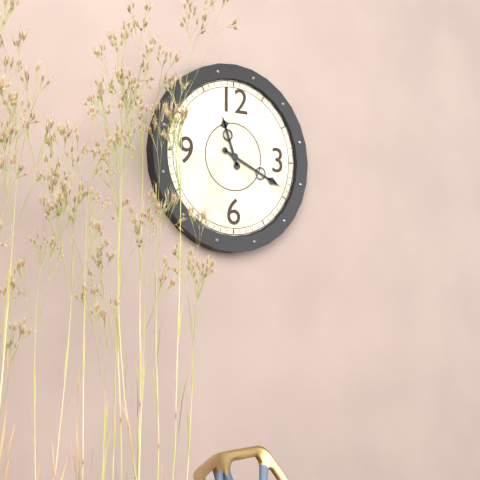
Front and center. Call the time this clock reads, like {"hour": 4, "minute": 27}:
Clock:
{"hour": 11, "minute": 19}
